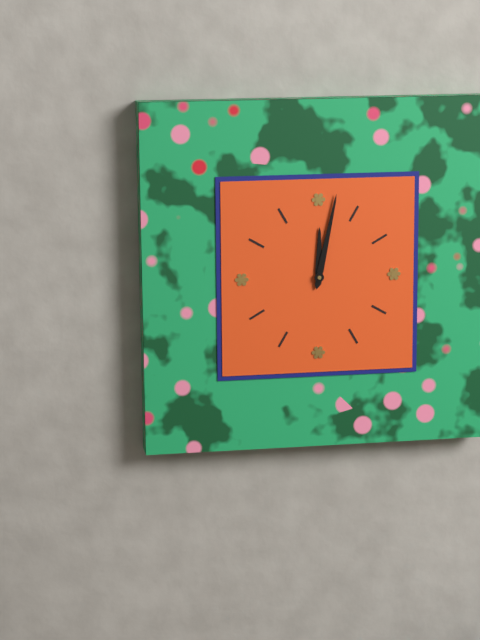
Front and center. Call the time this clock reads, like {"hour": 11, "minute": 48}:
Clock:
{"hour": 12, "minute": 2}
